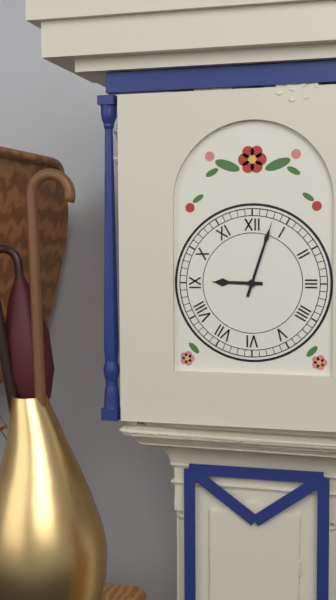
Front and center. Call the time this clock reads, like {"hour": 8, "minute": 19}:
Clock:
{"hour": 9, "minute": 3}
